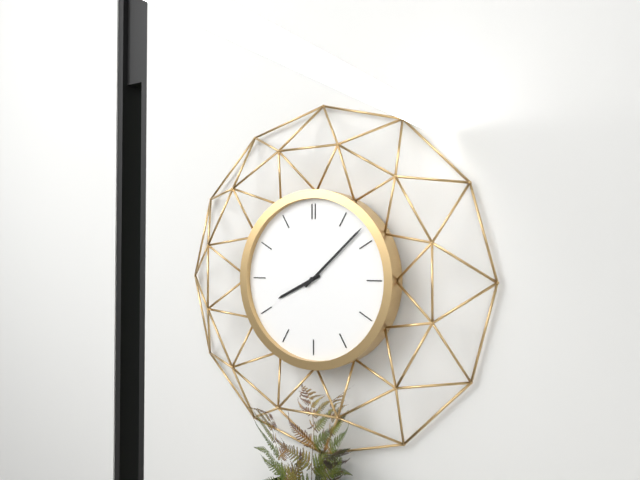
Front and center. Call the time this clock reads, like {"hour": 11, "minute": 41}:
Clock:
{"hour": 8, "minute": 8}
